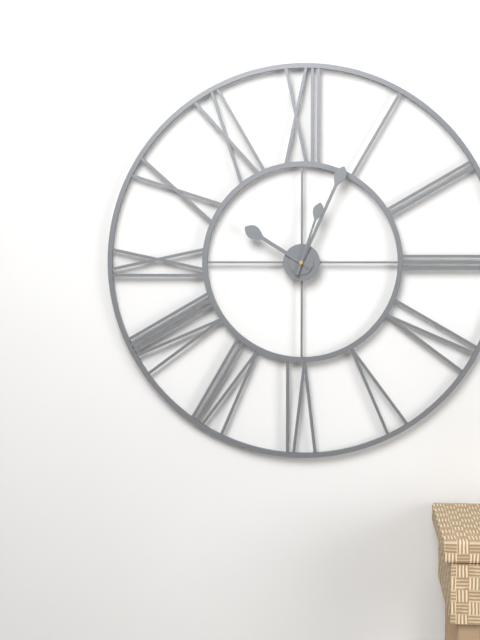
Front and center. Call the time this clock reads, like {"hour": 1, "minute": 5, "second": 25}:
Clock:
{"hour": 10, "minute": 4, "second": 3}
